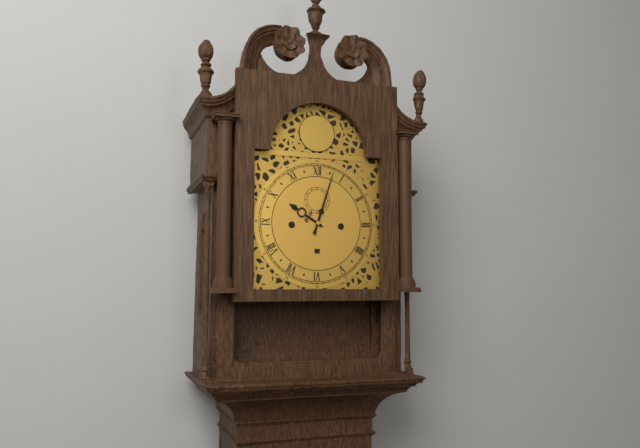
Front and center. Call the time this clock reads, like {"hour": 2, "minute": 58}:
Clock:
{"hour": 10, "minute": 3}
